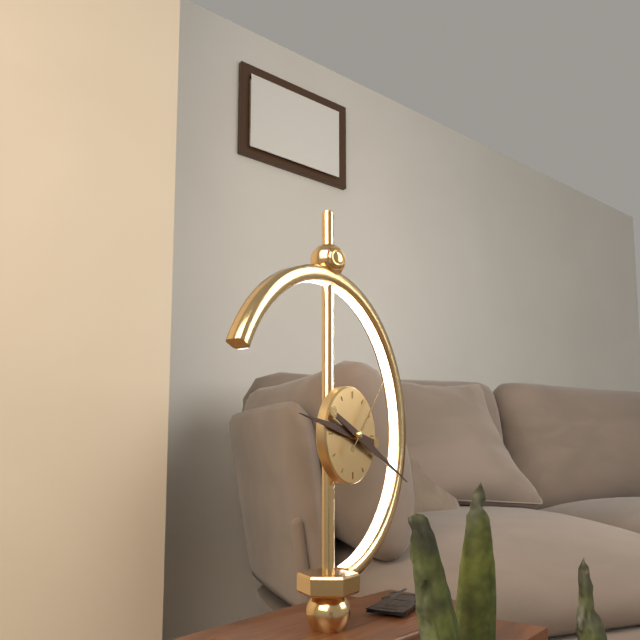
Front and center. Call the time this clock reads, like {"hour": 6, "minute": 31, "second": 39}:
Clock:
{"hour": 9, "minute": 19, "second": 7}
